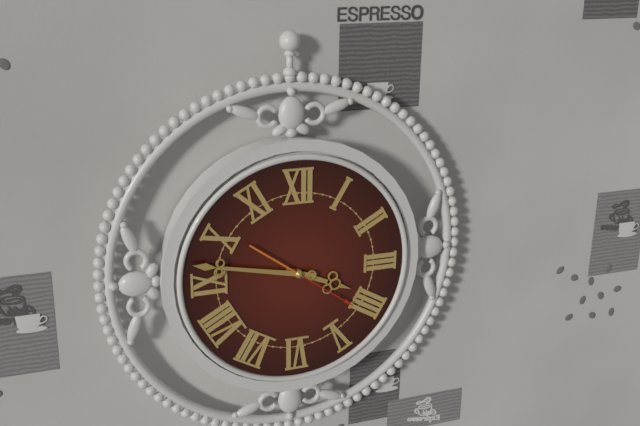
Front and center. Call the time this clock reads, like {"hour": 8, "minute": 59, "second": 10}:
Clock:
{"hour": 3, "minute": 47, "second": 21}
